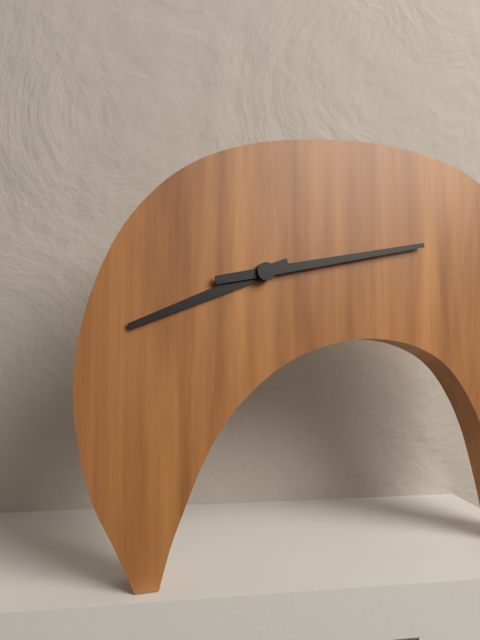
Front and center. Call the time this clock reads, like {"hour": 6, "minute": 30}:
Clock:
{"hour": 8, "minute": 13}
